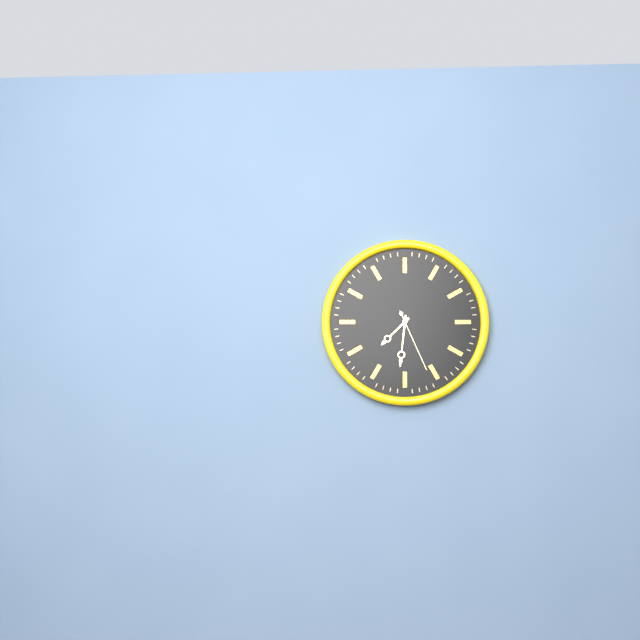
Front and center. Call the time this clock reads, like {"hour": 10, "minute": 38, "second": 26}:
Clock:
{"hour": 7, "minute": 31, "second": 26}
